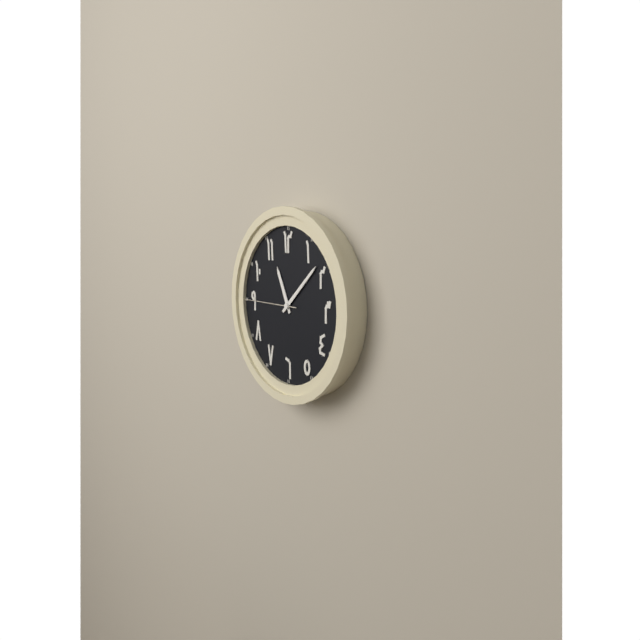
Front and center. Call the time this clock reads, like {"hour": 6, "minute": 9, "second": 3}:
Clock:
{"hour": 11, "minute": 8, "second": 45}
